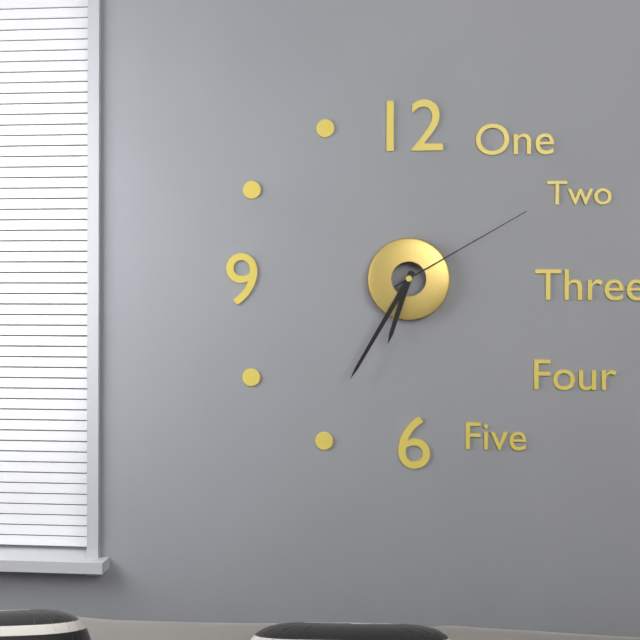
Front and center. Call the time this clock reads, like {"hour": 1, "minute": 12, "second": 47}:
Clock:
{"hour": 6, "minute": 35, "second": 10}
